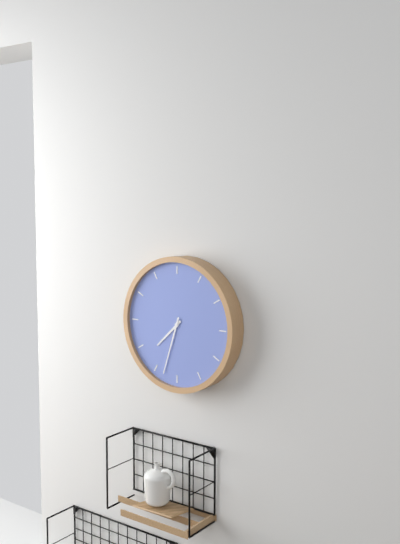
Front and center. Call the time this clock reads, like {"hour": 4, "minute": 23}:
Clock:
{"hour": 7, "minute": 33}
